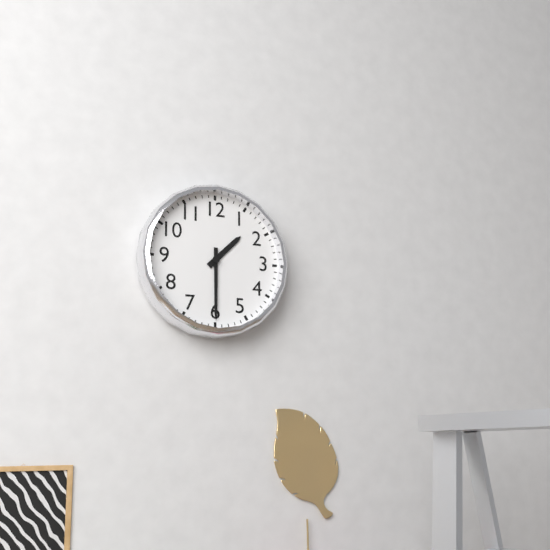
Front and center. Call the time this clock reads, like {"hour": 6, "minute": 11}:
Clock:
{"hour": 1, "minute": 30}
